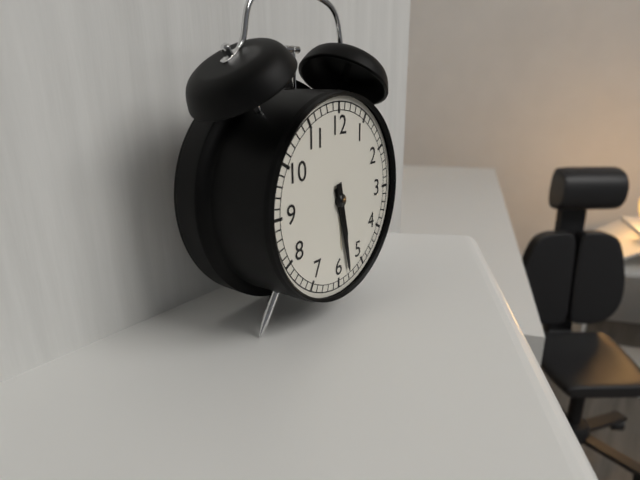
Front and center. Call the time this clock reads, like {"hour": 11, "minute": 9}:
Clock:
{"hour": 5, "minute": 28}
